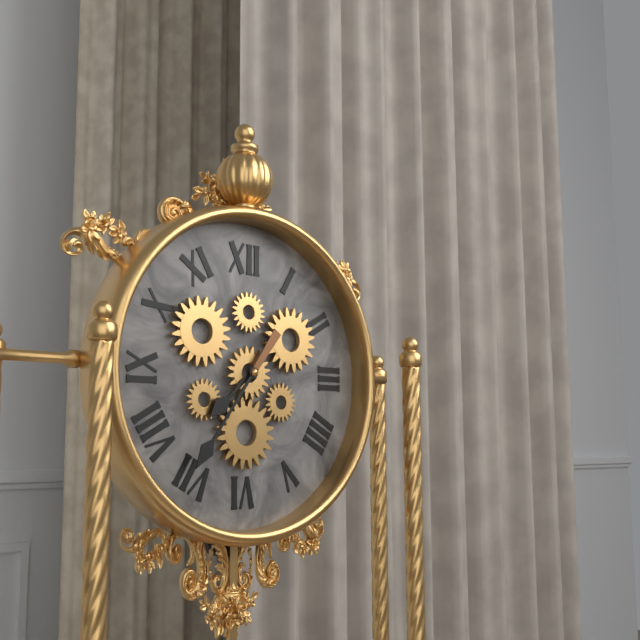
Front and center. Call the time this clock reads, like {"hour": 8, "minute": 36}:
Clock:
{"hour": 7, "minute": 36}
